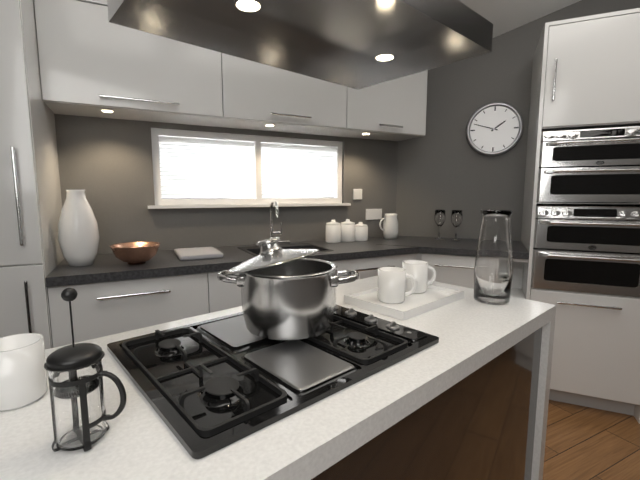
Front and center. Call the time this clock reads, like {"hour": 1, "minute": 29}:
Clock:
{"hour": 1, "minute": 48}
